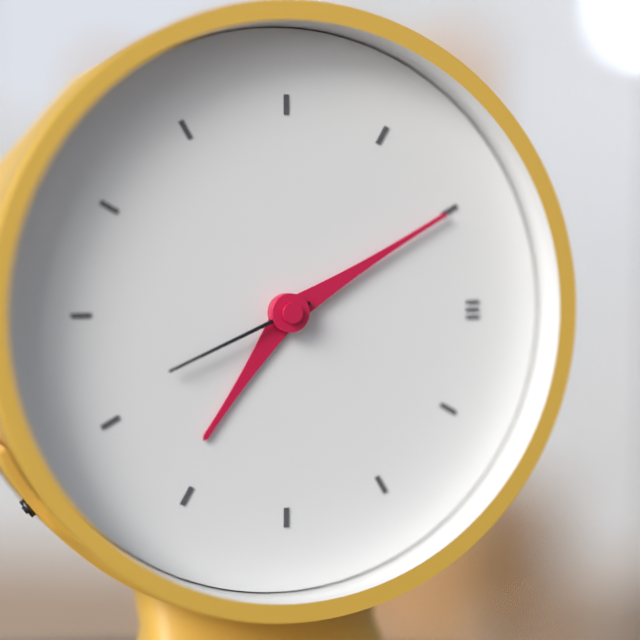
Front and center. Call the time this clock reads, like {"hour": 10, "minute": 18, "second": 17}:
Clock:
{"hour": 7, "minute": 10, "second": 41}
